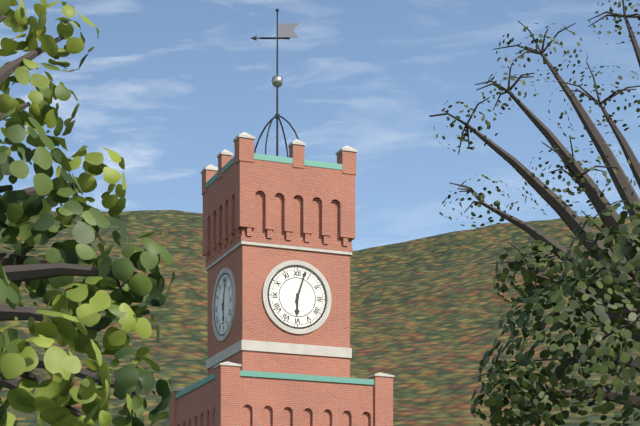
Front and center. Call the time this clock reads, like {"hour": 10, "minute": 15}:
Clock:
{"hour": 6, "minute": 3}
